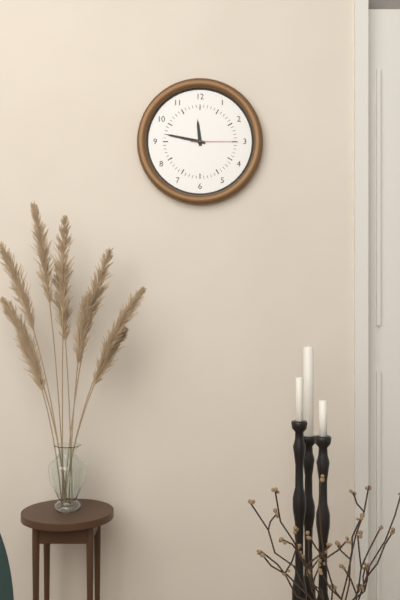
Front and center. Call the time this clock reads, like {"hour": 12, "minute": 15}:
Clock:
{"hour": 11, "minute": 47}
